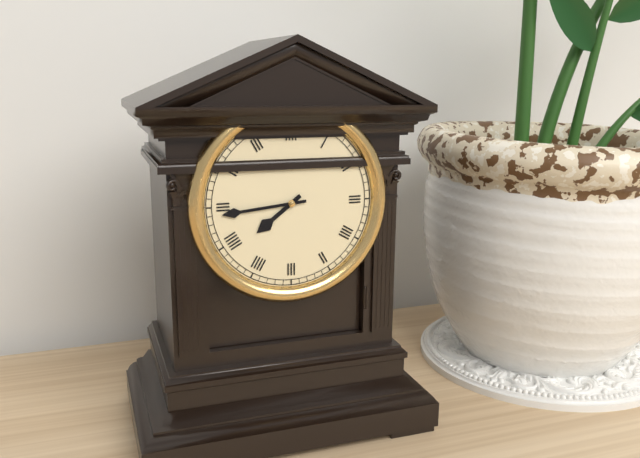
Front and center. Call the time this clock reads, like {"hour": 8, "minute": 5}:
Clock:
{"hour": 7, "minute": 44}
